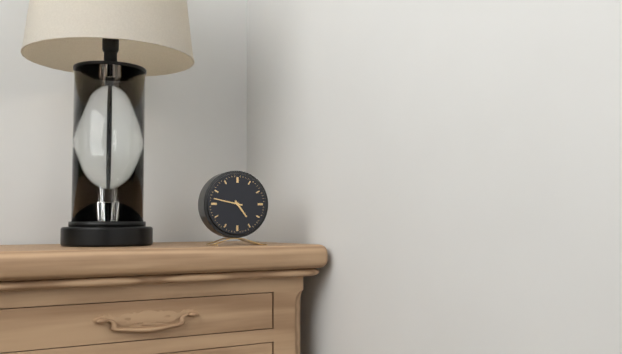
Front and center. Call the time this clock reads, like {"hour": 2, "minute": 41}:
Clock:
{"hour": 4, "minute": 47}
